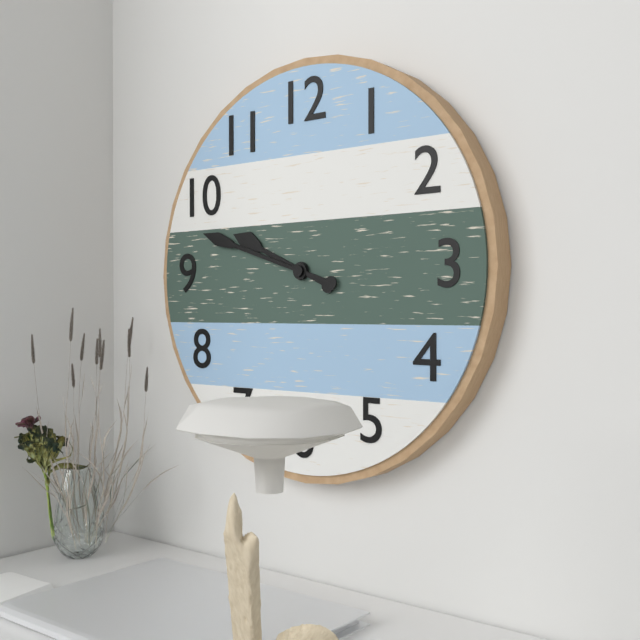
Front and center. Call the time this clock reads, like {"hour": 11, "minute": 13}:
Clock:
{"hour": 9, "minute": 48}
